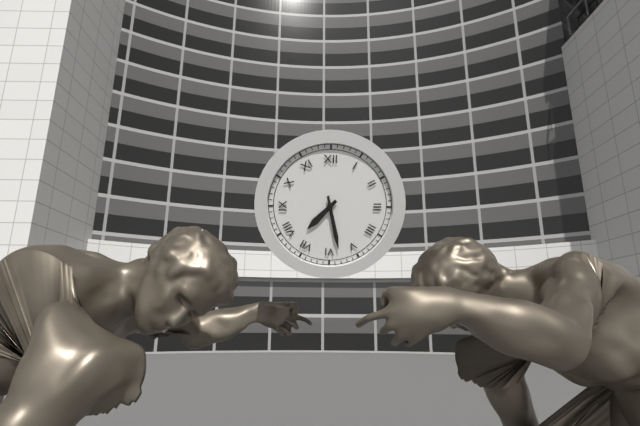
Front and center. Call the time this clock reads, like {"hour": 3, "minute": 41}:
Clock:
{"hour": 7, "minute": 28}
